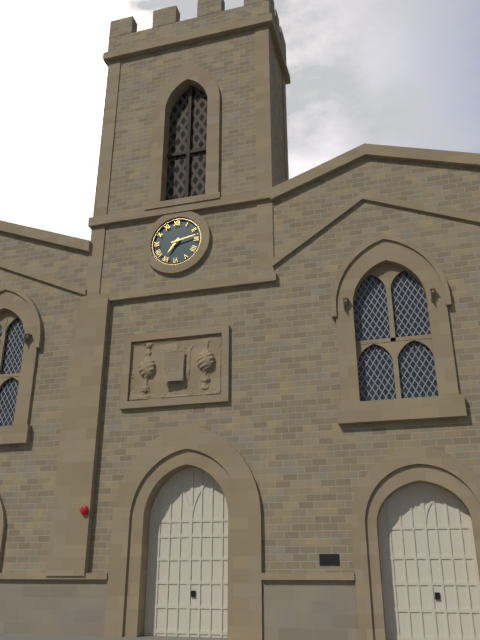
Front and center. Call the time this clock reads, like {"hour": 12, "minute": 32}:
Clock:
{"hour": 7, "minute": 13}
